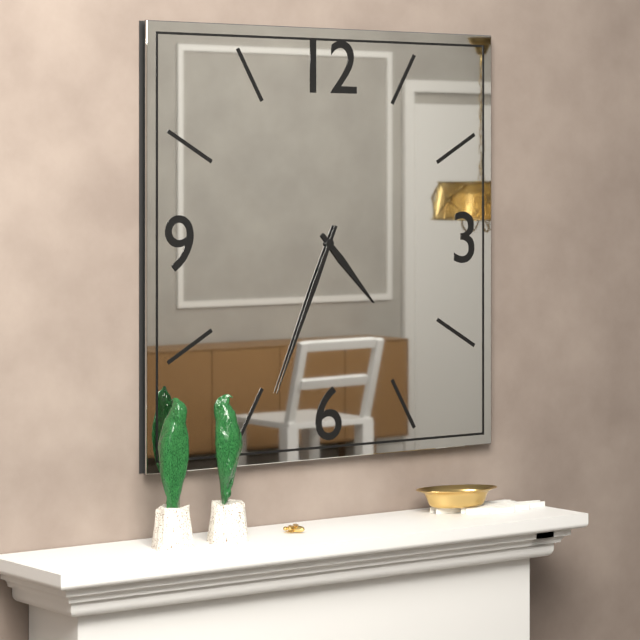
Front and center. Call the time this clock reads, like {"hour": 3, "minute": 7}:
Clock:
{"hour": 4, "minute": 34}
